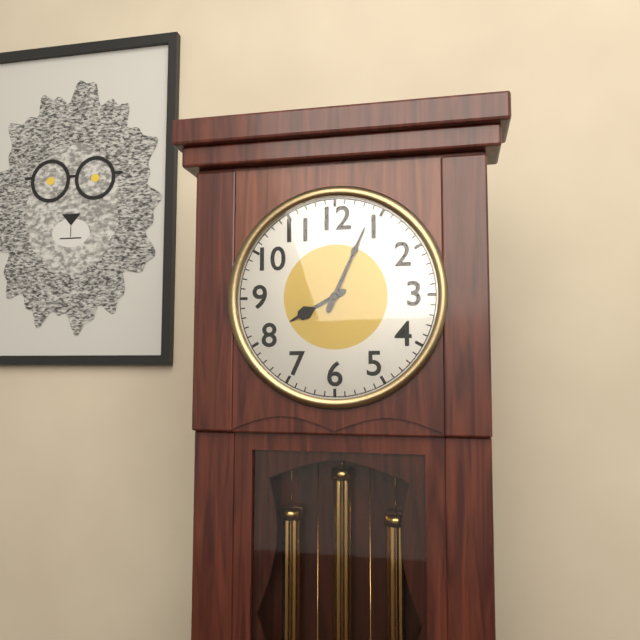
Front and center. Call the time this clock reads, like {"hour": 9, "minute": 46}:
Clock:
{"hour": 8, "minute": 4}
